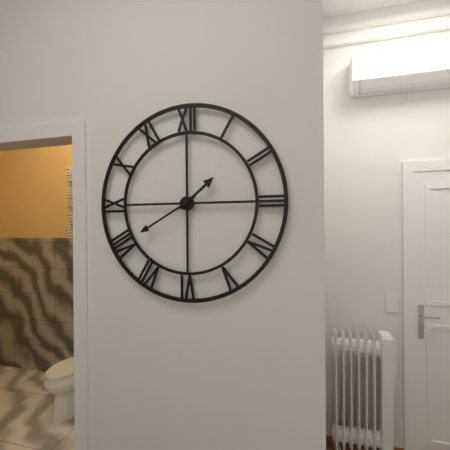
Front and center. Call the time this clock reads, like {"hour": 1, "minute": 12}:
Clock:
{"hour": 1, "minute": 40}
